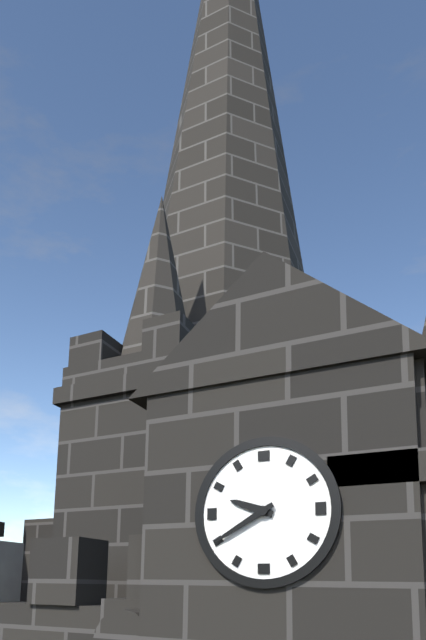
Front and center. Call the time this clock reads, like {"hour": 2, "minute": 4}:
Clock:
{"hour": 9, "minute": 40}
